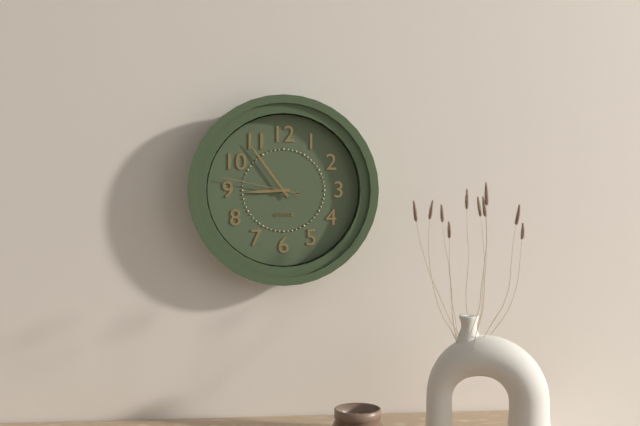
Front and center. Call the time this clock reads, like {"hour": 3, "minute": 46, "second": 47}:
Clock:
{"hour": 8, "minute": 54, "second": 47}
